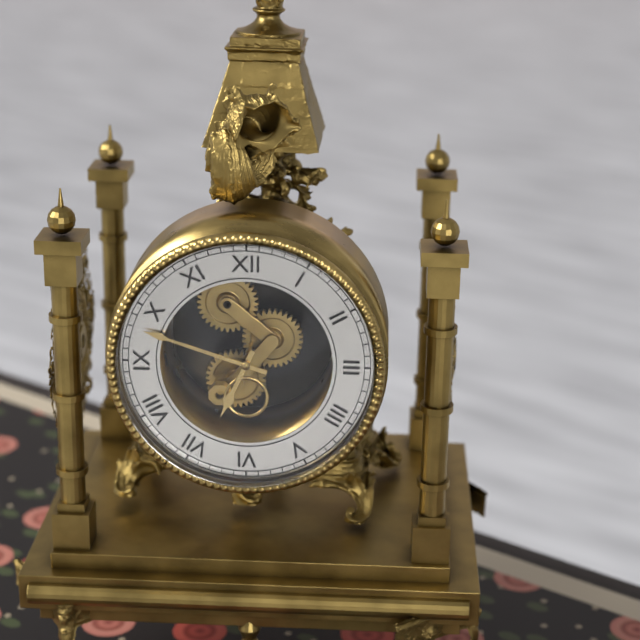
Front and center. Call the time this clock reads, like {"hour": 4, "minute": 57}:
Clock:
{"hour": 6, "minute": 48}
